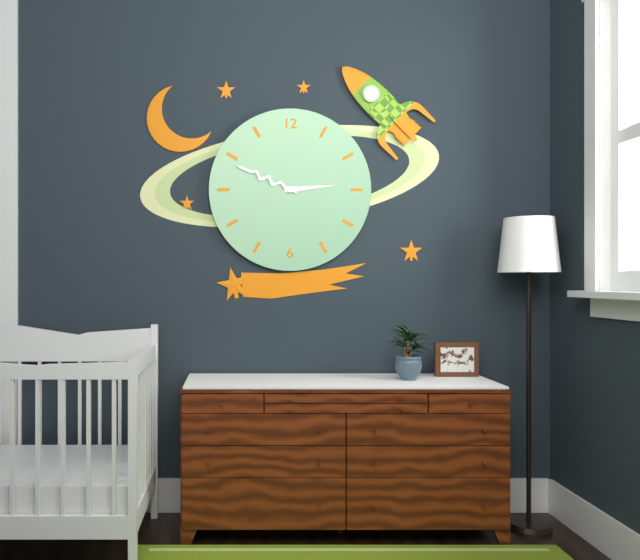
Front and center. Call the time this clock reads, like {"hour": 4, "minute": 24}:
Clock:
{"hour": 2, "minute": 49}
